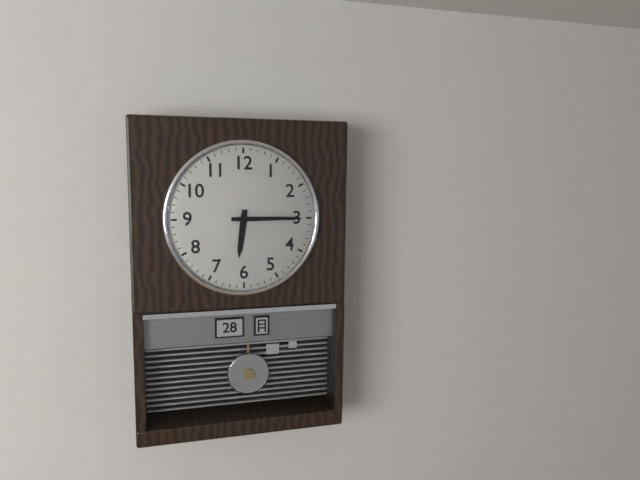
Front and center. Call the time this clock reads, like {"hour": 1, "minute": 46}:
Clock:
{"hour": 6, "minute": 15}
